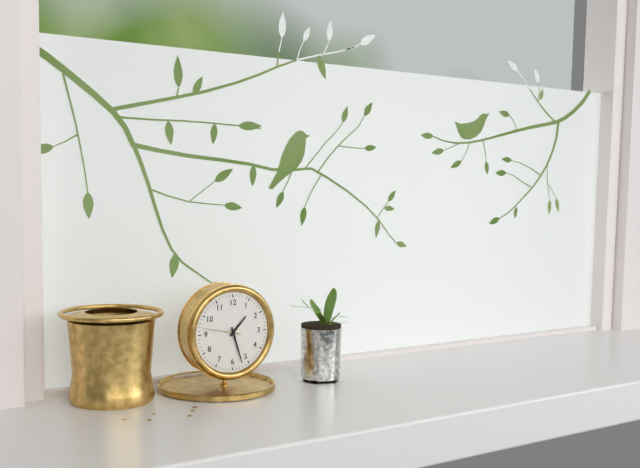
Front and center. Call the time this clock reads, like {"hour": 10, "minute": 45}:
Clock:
{"hour": 1, "minute": 27}
